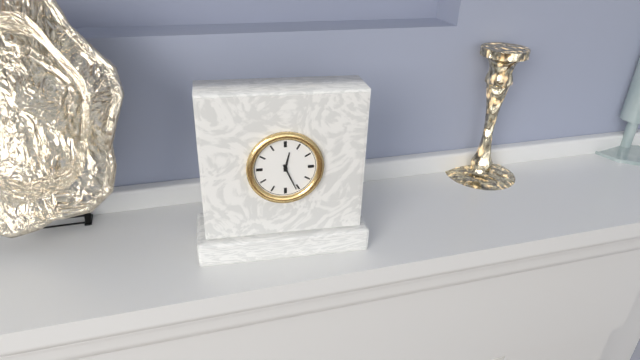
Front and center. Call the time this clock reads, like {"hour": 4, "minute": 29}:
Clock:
{"hour": 12, "minute": 26}
